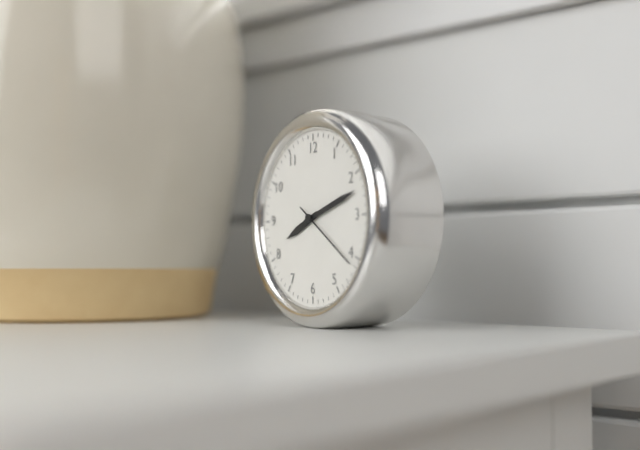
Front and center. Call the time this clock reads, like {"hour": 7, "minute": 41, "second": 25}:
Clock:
{"hour": 8, "minute": 12, "second": 21}
